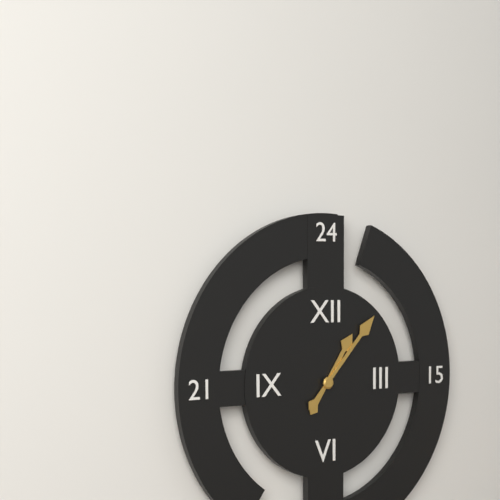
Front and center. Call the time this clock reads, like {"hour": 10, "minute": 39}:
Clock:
{"hour": 1, "minute": 7}
